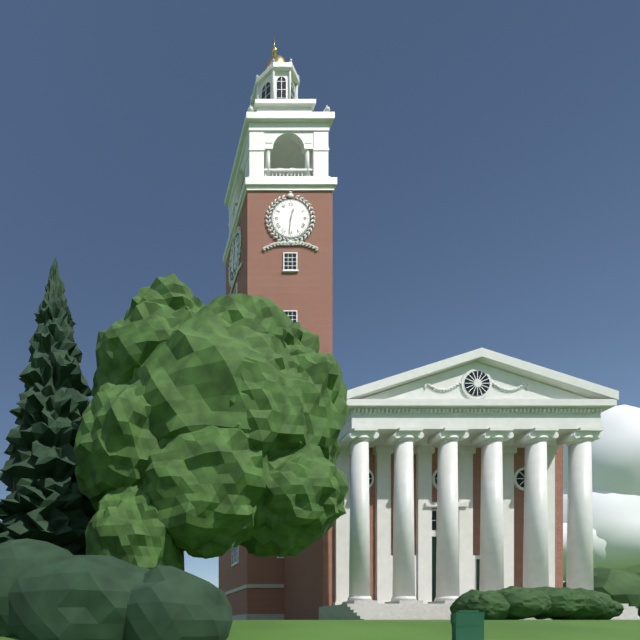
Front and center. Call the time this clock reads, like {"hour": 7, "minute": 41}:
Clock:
{"hour": 12, "minute": 31}
